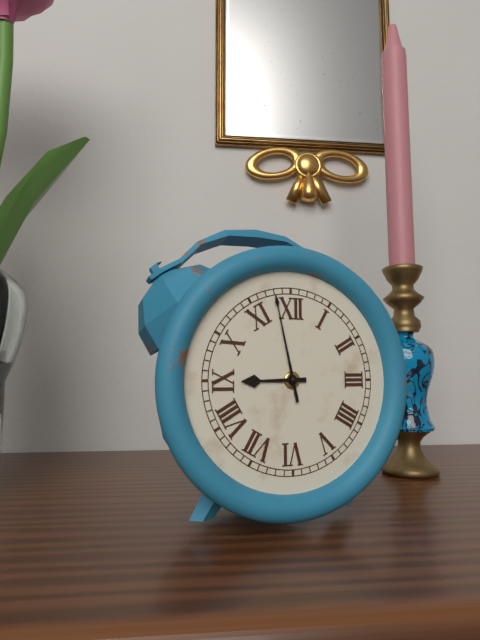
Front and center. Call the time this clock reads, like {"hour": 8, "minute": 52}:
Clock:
{"hour": 8, "minute": 58}
